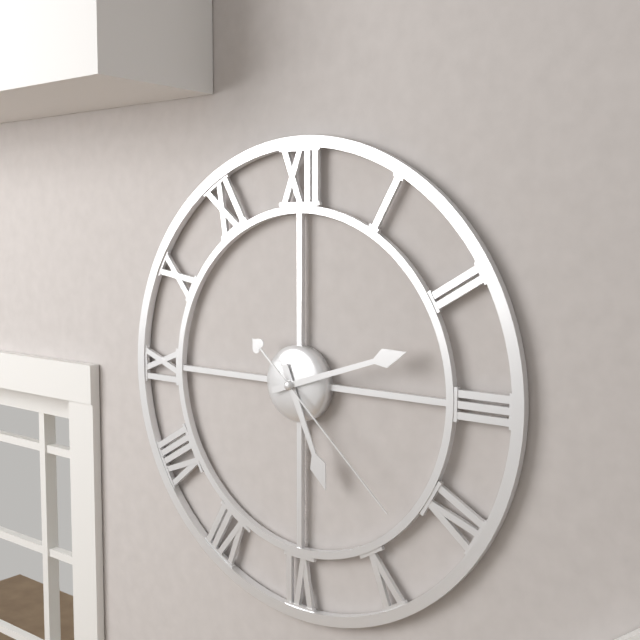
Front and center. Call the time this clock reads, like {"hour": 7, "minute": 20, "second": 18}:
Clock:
{"hour": 5, "minute": 12, "second": 22}
